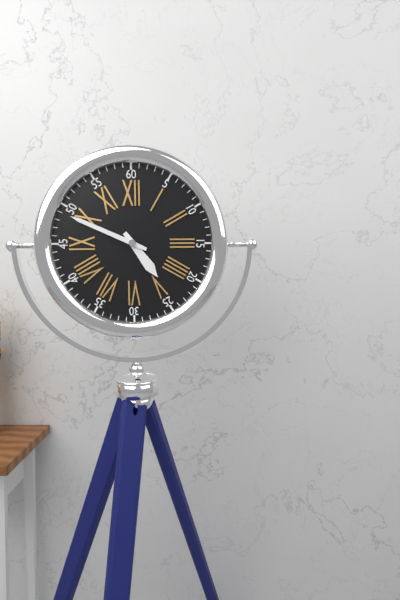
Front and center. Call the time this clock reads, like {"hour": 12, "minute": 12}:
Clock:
{"hour": 4, "minute": 49}
